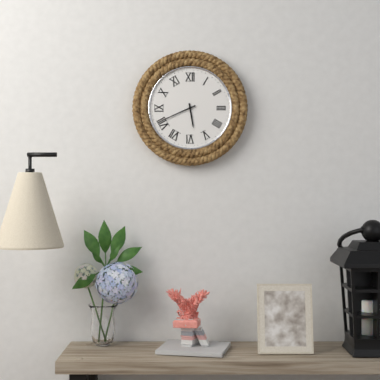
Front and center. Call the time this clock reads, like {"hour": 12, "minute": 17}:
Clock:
{"hour": 5, "minute": 41}
